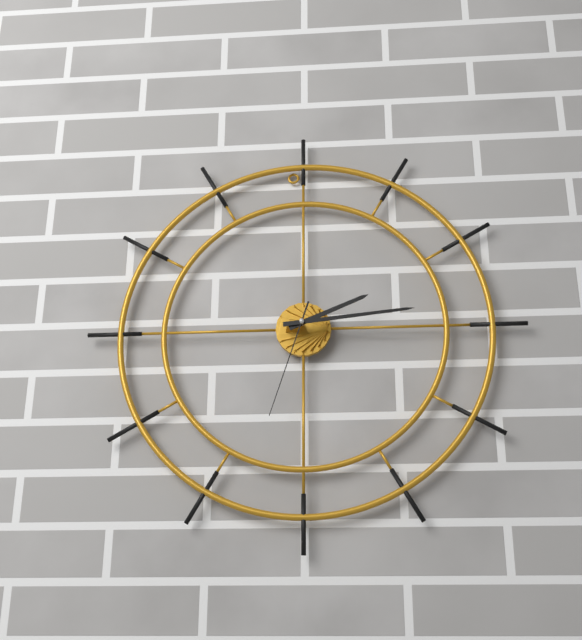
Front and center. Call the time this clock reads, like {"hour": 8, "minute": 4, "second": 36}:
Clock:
{"hour": 2, "minute": 14, "second": 33}
